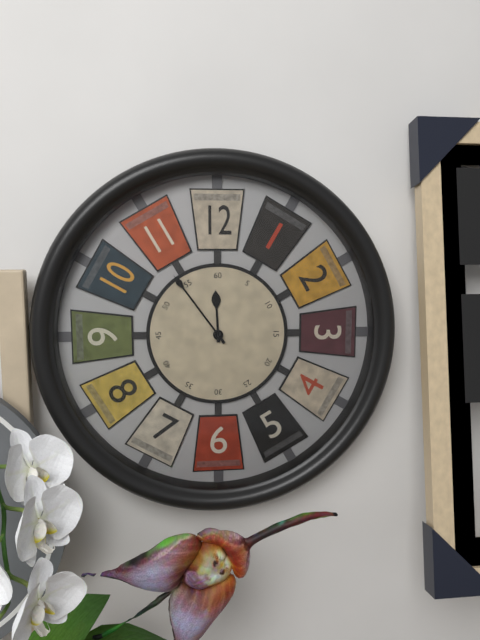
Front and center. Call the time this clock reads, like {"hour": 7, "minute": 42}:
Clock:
{"hour": 11, "minute": 54}
